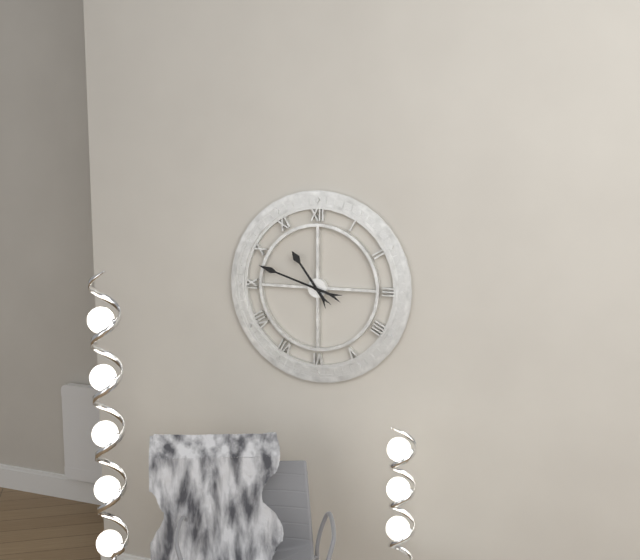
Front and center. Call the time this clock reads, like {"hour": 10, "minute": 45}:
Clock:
{"hour": 10, "minute": 48}
